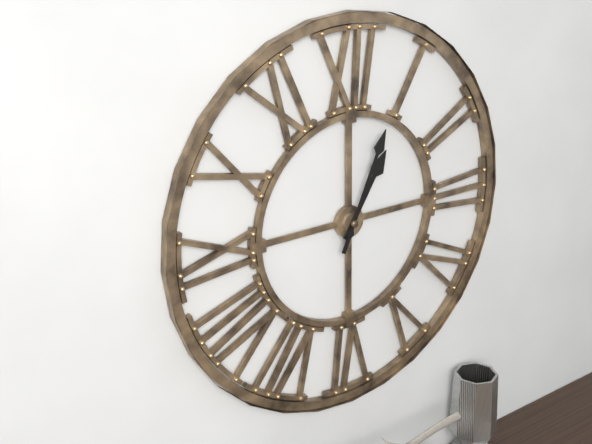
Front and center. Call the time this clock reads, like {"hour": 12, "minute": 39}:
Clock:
{"hour": 1, "minute": 4}
